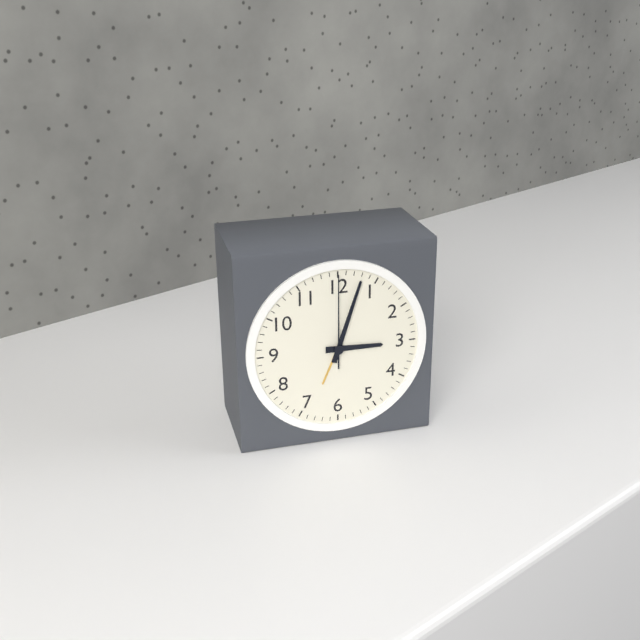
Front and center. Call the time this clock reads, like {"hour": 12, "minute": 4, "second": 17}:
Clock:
{"hour": 3, "minute": 3, "second": 0}
